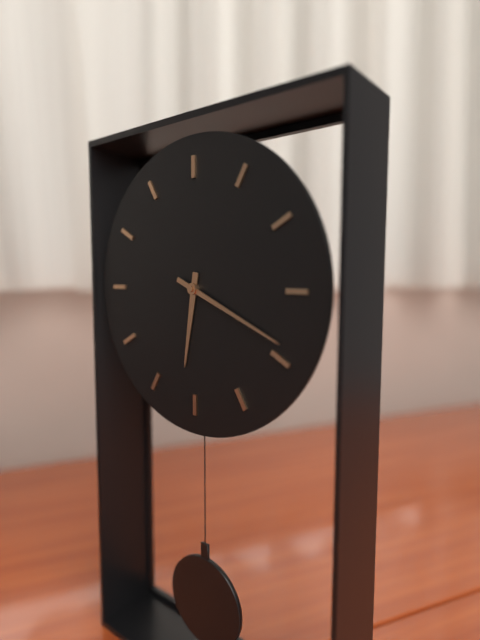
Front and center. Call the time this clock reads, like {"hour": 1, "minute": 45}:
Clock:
{"hour": 6, "minute": 19}
